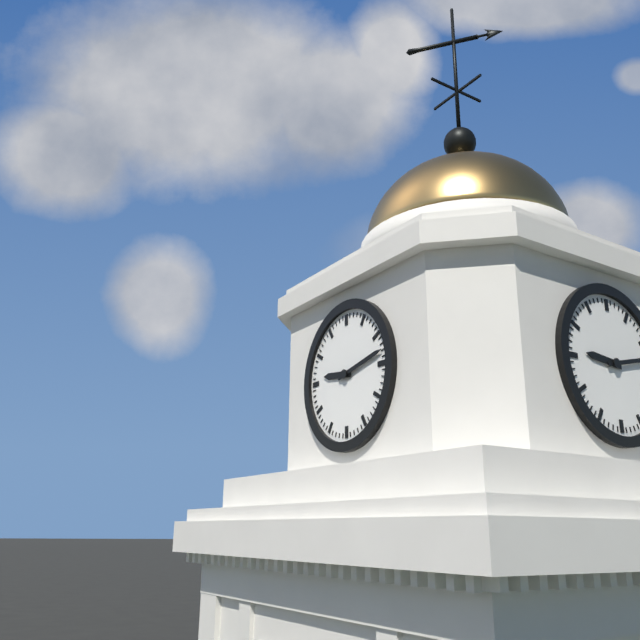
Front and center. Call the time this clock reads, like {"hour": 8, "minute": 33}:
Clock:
{"hour": 9, "minute": 13}
